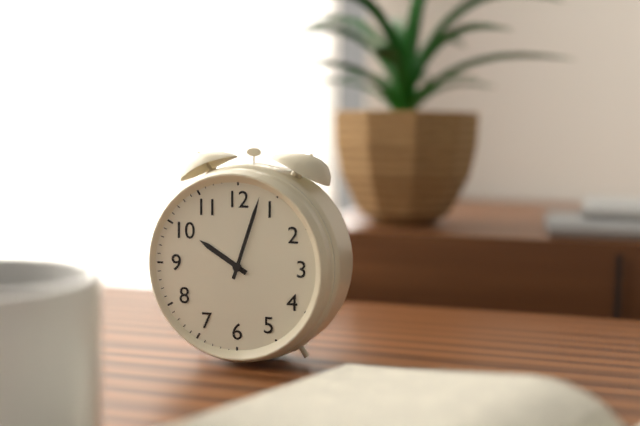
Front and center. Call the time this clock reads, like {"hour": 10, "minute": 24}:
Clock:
{"hour": 10, "minute": 3}
